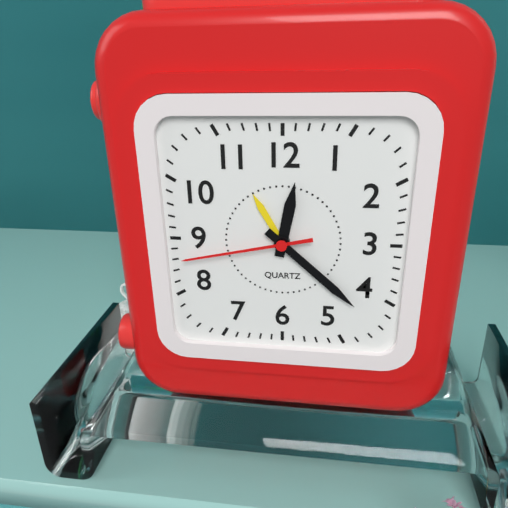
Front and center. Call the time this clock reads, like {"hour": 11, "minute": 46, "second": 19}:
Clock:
{"hour": 12, "minute": 22, "second": 43}
